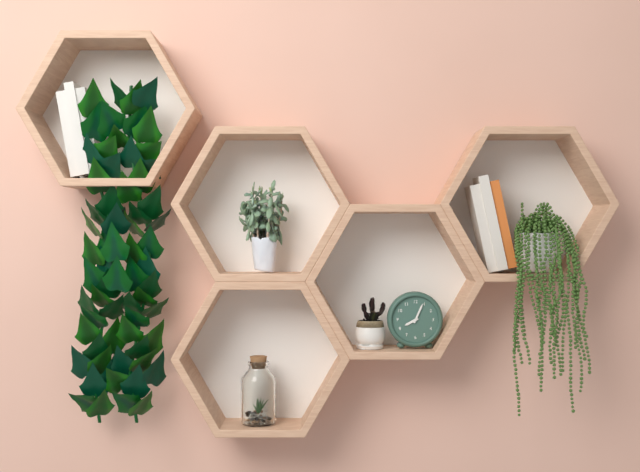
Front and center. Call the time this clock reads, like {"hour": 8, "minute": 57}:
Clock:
{"hour": 8, "minute": 4}
